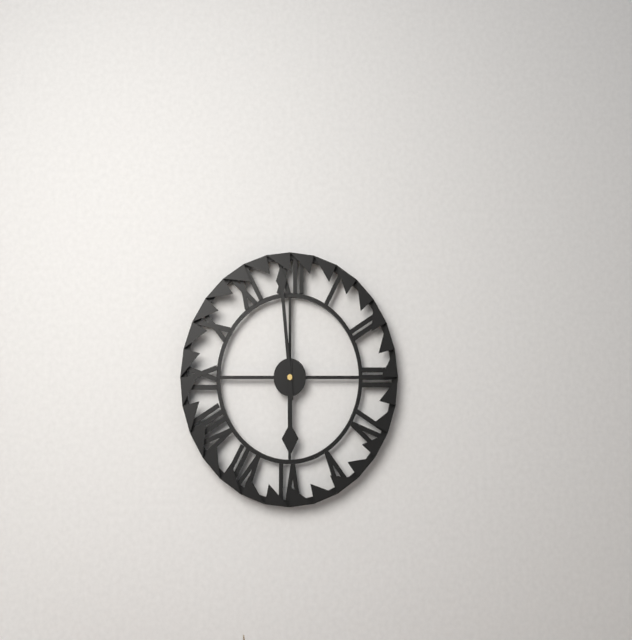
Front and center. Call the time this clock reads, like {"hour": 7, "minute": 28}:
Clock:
{"hour": 5, "minute": 59}
